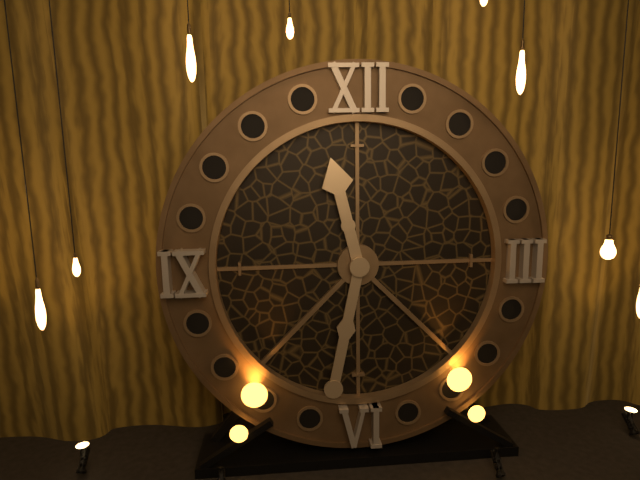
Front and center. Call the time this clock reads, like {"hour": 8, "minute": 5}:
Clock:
{"hour": 11, "minute": 32}
